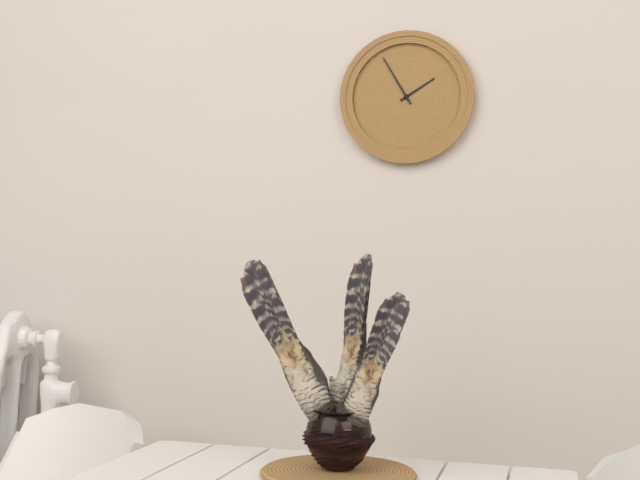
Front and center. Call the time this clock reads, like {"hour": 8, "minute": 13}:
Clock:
{"hour": 1, "minute": 55}
